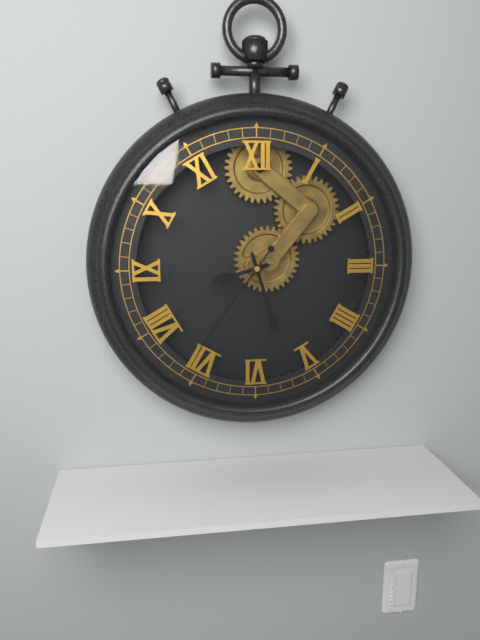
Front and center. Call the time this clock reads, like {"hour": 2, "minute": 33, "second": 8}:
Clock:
{"hour": 8, "minute": 27, "second": 36}
